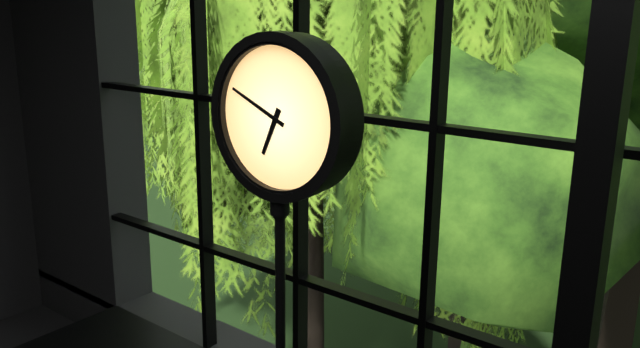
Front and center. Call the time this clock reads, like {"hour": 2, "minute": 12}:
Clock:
{"hour": 6, "minute": 49}
